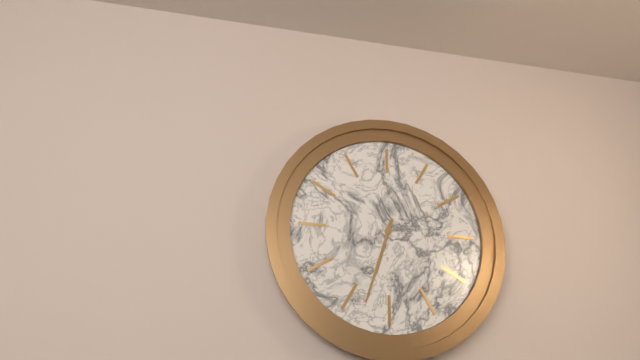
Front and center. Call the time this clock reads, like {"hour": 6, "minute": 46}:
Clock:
{"hour": 6, "minute": 33}
